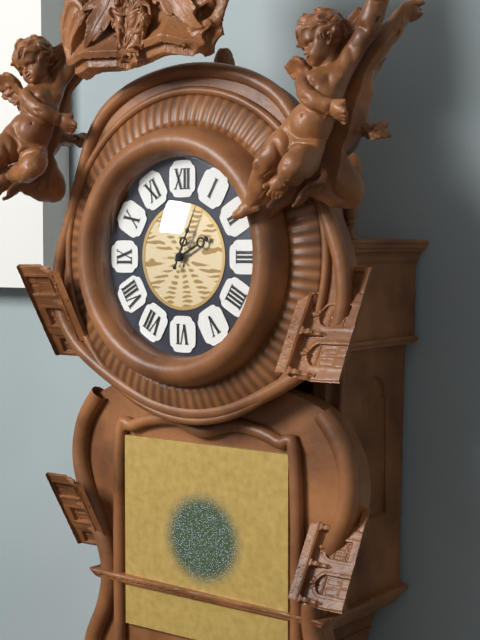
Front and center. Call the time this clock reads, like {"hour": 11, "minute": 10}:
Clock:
{"hour": 2, "minute": 4}
